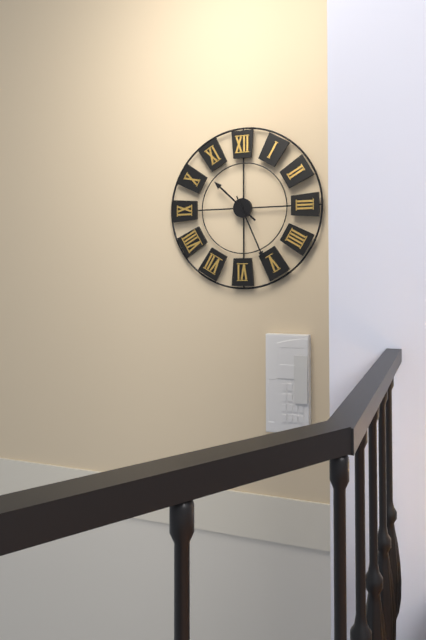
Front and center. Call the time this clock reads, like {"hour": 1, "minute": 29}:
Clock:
{"hour": 10, "minute": 26}
